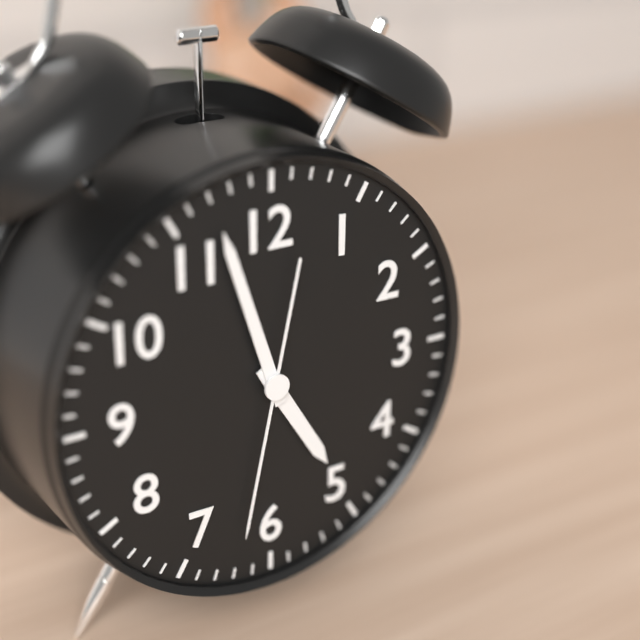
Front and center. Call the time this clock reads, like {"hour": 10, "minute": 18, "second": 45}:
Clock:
{"hour": 4, "minute": 57, "second": 32}
